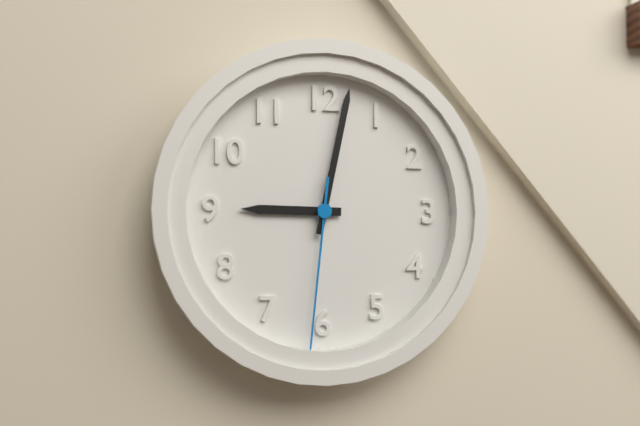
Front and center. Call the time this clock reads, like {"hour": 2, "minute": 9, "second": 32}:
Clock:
{"hour": 9, "minute": 2, "second": 31}
